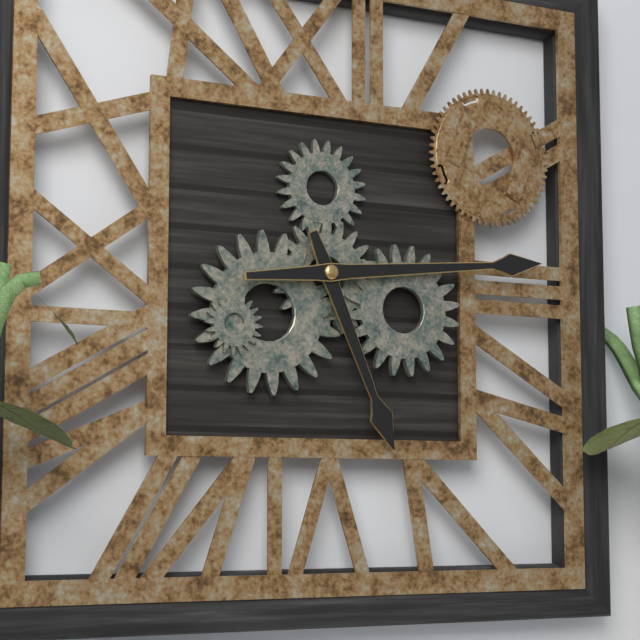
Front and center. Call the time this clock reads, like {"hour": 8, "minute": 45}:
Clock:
{"hour": 5, "minute": 14}
